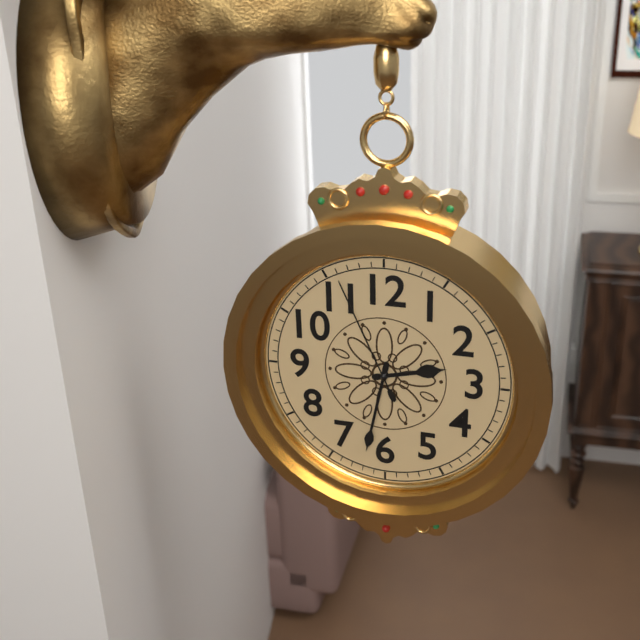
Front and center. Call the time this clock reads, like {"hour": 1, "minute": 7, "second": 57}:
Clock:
{"hour": 2, "minute": 32, "second": 56}
